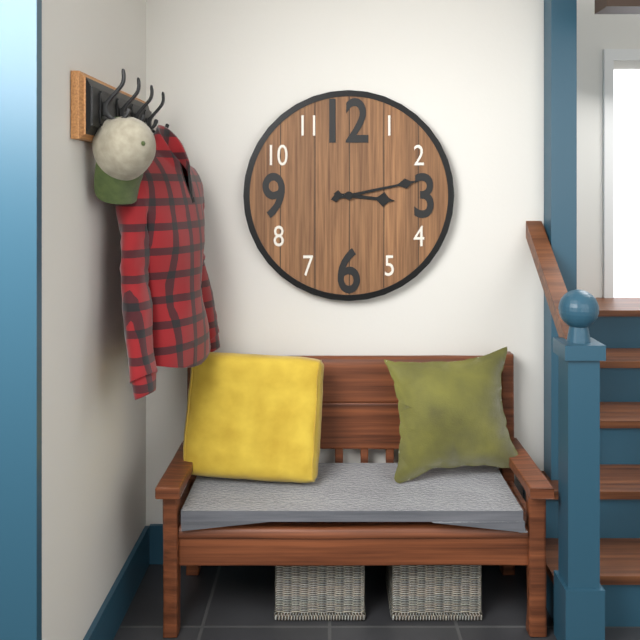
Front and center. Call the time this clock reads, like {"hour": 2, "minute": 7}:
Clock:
{"hour": 3, "minute": 13}
